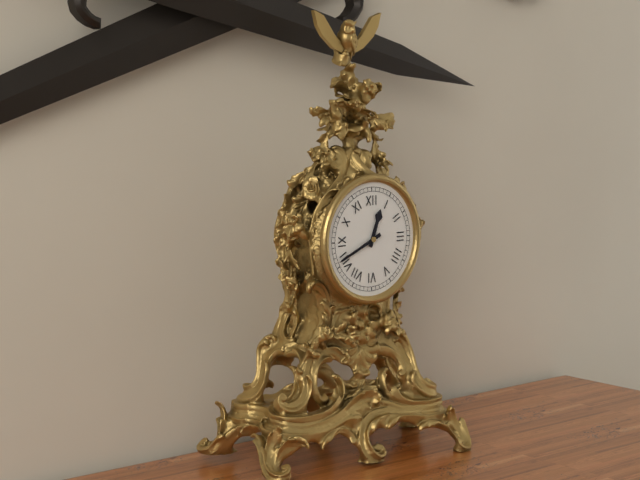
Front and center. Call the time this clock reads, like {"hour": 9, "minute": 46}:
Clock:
{"hour": 12, "minute": 41}
